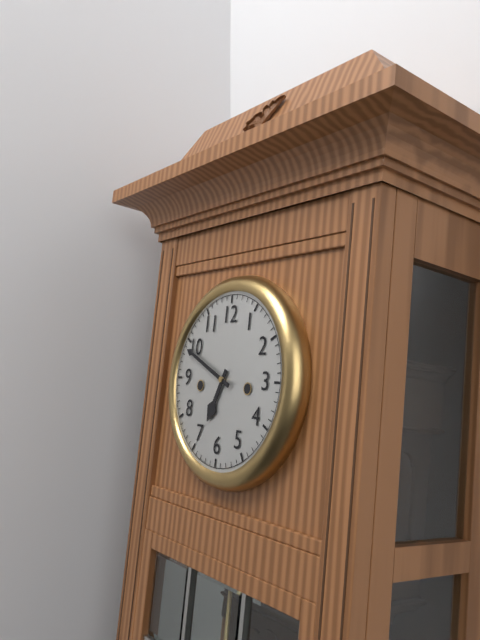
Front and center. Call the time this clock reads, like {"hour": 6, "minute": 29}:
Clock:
{"hour": 6, "minute": 49}
